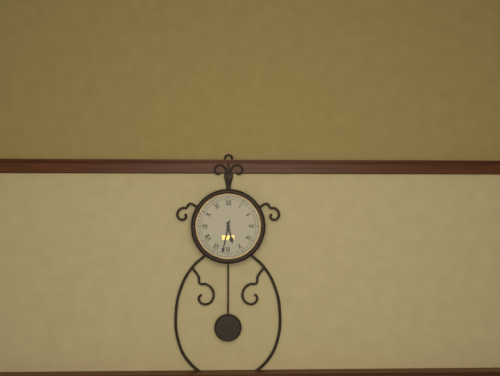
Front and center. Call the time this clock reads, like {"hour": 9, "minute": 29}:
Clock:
{"hour": 5, "minute": 32}
